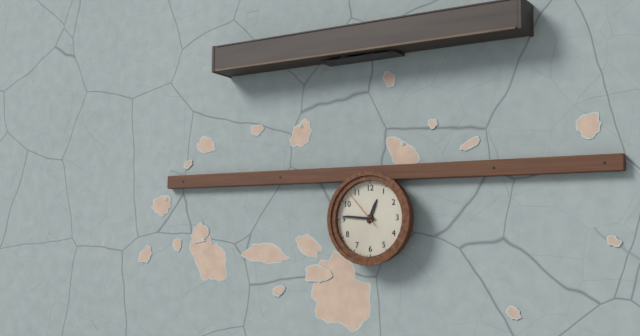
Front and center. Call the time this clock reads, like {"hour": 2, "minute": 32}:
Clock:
{"hour": 12, "minute": 46}
